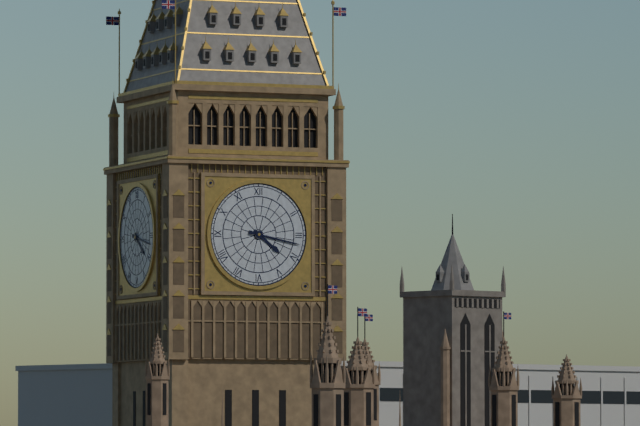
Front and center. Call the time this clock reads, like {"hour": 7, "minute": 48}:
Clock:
{"hour": 4, "minute": 17}
